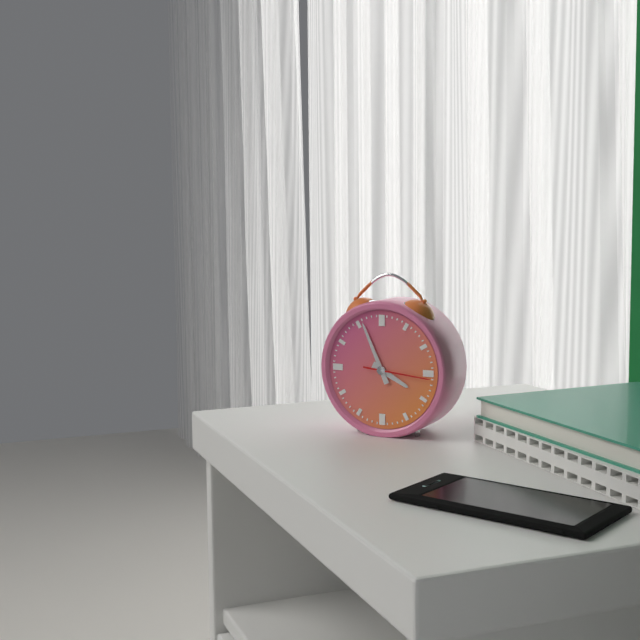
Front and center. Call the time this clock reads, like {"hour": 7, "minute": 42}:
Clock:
{"hour": 3, "minute": 56}
